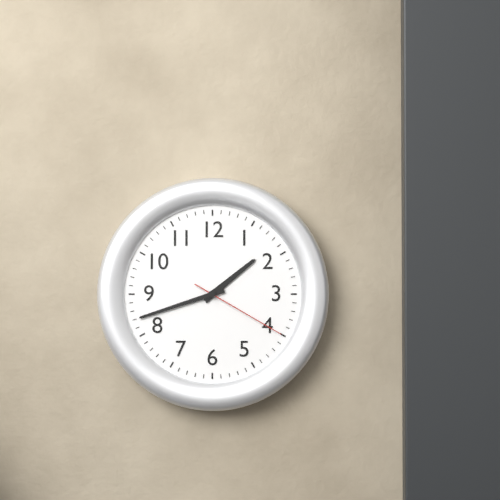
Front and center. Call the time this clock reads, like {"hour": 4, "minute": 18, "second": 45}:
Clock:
{"hour": 1, "minute": 42, "second": 20}
